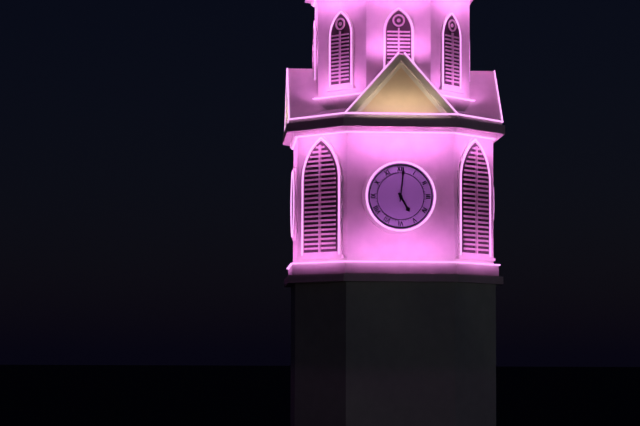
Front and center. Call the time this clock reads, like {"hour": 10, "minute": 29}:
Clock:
{"hour": 5, "minute": 1}
